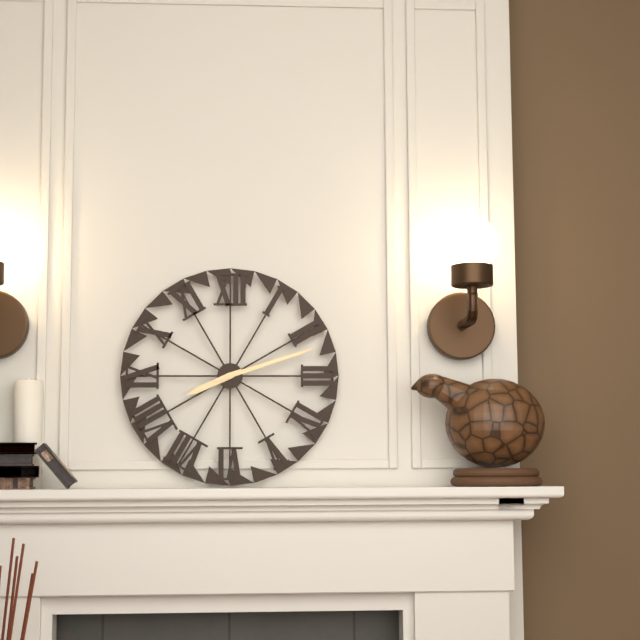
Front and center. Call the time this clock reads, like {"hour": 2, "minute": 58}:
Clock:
{"hour": 8, "minute": 12}
